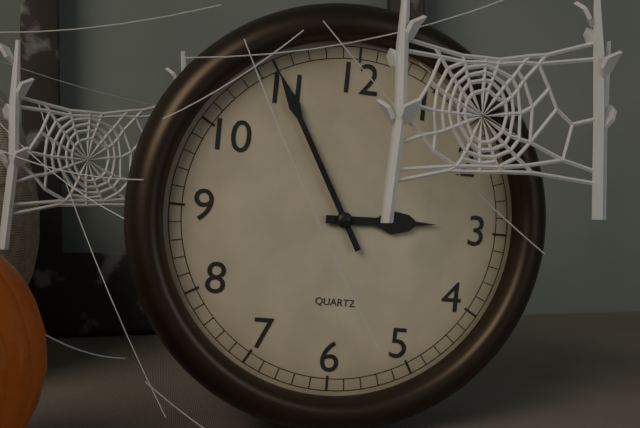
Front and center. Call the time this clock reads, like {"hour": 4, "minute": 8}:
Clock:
{"hour": 2, "minute": 55}
